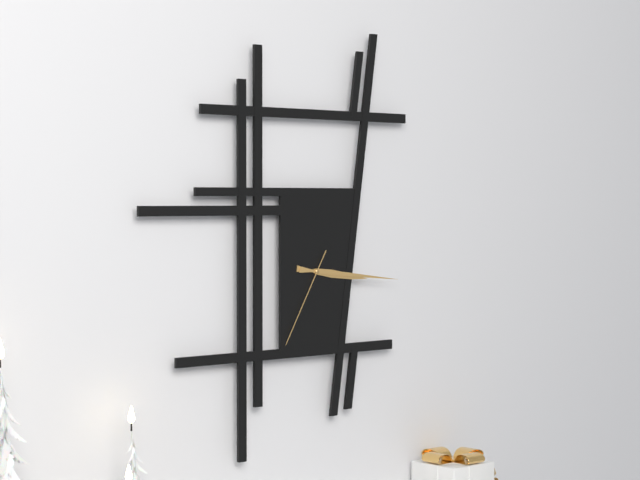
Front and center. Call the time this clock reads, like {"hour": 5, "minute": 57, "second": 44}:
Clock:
{"hour": 3, "minute": 16, "second": 35}
